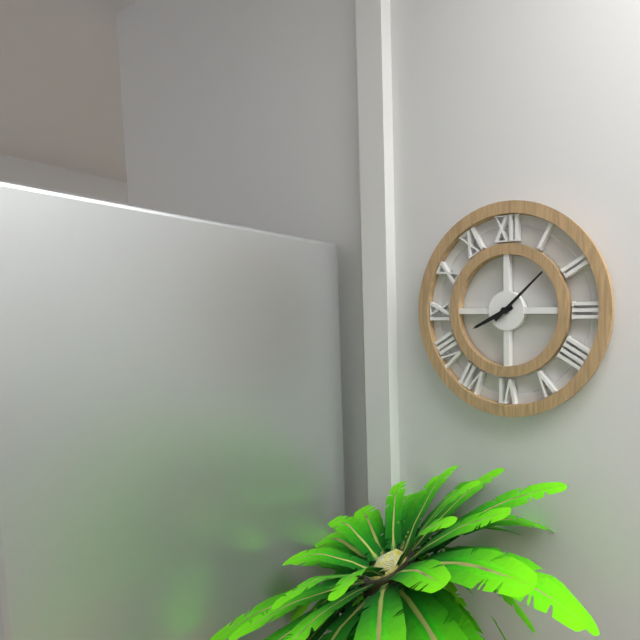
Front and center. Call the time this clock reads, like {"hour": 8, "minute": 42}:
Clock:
{"hour": 8, "minute": 8}
